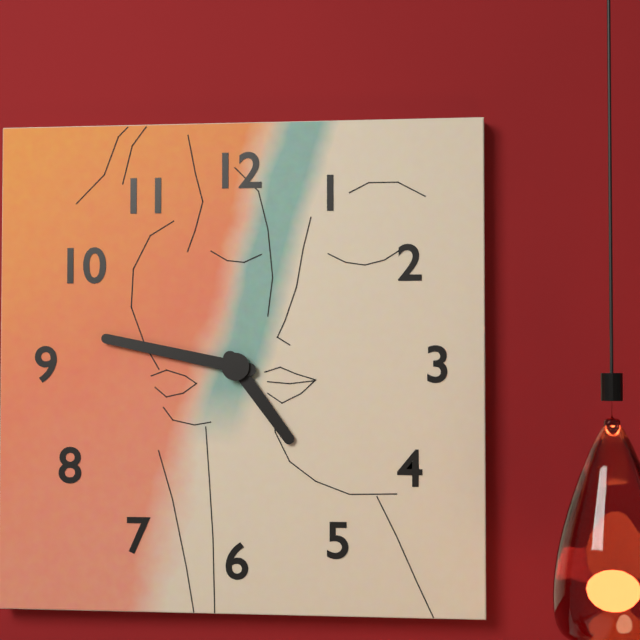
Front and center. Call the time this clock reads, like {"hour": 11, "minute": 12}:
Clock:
{"hour": 4, "minute": 47}
